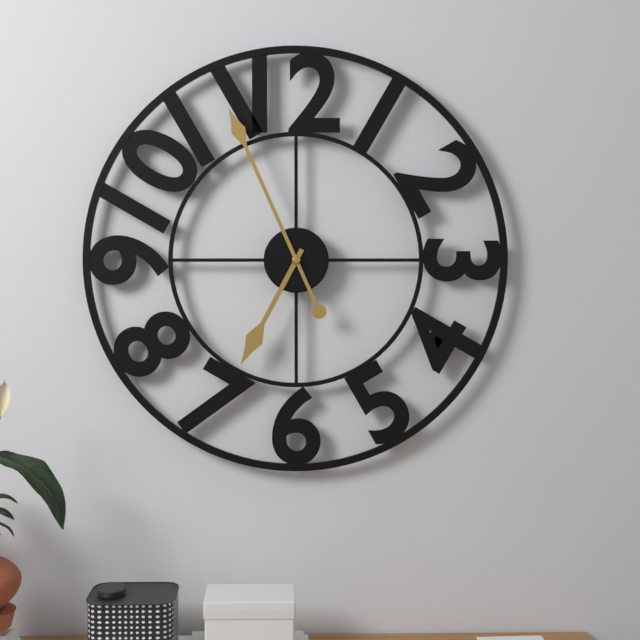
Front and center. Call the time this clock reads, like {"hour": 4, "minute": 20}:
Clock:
{"hour": 6, "minute": 56}
